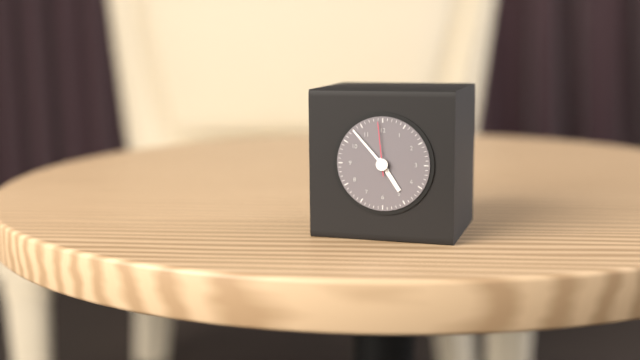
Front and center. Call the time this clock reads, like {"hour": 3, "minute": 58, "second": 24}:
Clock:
{"hour": 4, "minute": 53, "second": 59}
